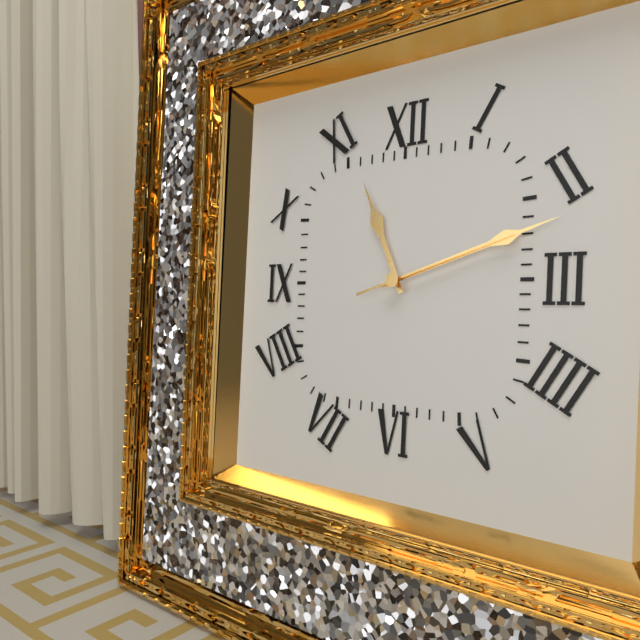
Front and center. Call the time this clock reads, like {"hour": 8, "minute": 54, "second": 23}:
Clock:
{"hour": 11, "minute": 12, "second": 12}
